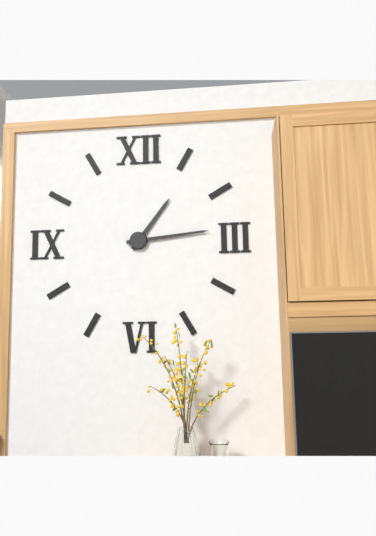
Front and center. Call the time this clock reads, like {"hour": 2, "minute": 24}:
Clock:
{"hour": 1, "minute": 14}
